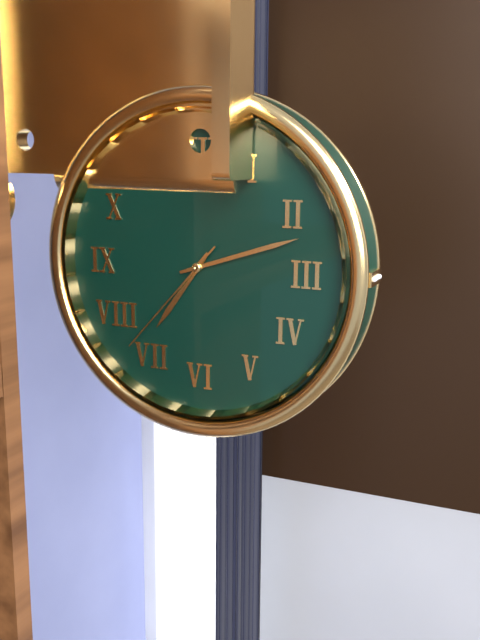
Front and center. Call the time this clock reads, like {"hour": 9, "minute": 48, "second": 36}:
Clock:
{"hour": 7, "minute": 12, "second": 37}
